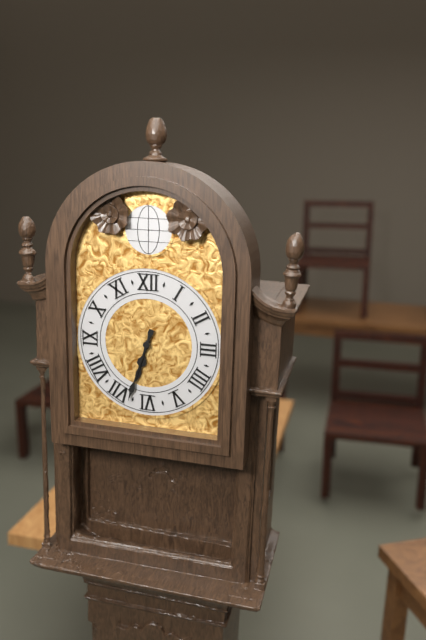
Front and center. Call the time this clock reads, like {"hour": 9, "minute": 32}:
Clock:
{"hour": 6, "minute": 33}
